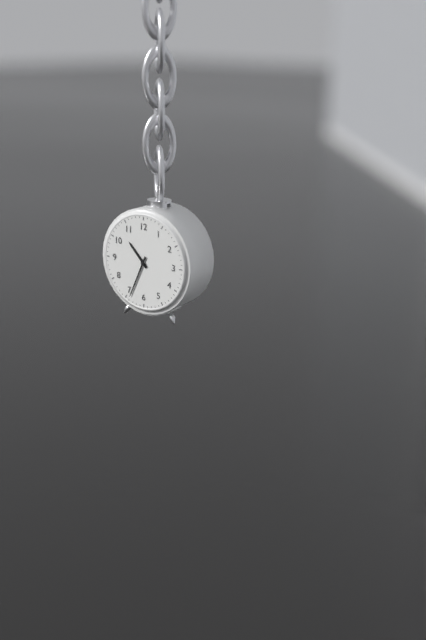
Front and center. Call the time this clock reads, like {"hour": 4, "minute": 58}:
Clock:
{"hour": 10, "minute": 34}
